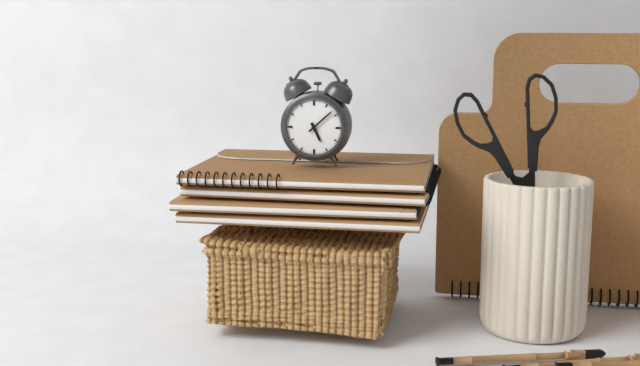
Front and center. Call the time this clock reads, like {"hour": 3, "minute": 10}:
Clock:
{"hour": 5, "minute": 8}
